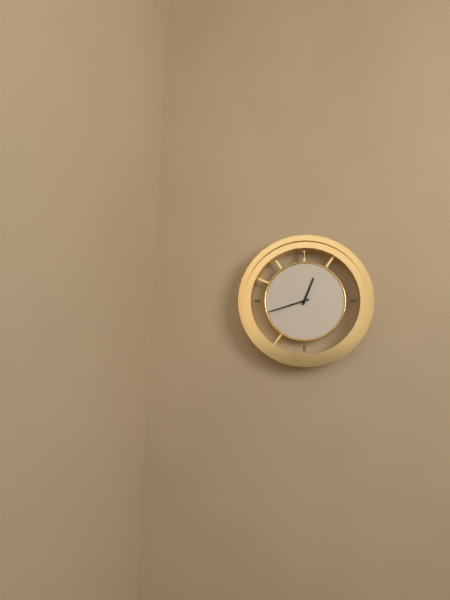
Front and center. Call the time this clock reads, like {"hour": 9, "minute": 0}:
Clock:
{"hour": 12, "minute": 42}
